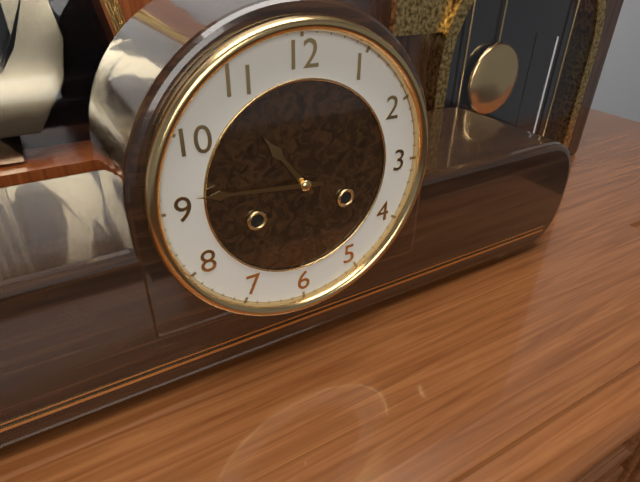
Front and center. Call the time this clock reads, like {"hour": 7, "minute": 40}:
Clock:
{"hour": 10, "minute": 46}
